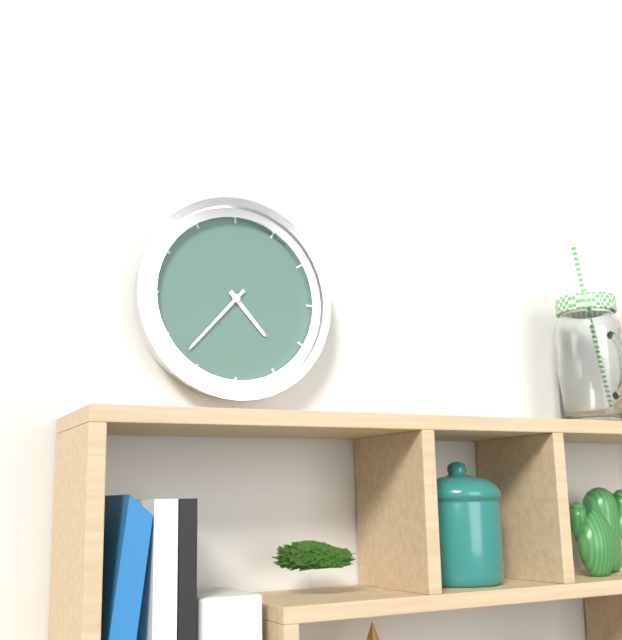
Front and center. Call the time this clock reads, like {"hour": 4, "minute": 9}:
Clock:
{"hour": 4, "minute": 37}
